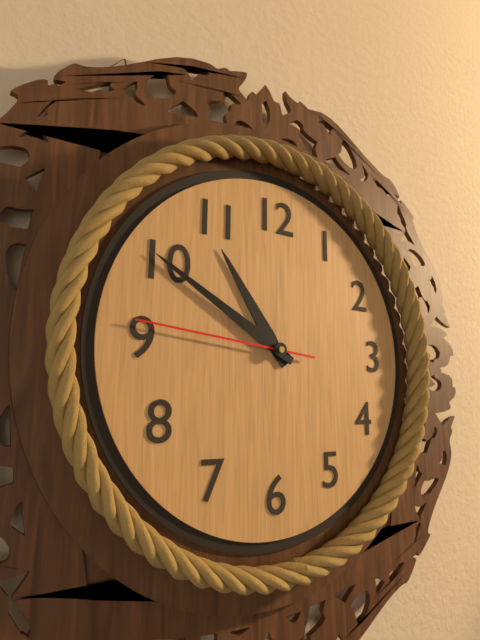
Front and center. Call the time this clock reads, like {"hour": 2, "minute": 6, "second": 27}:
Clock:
{"hour": 10, "minute": 50, "second": 46}
